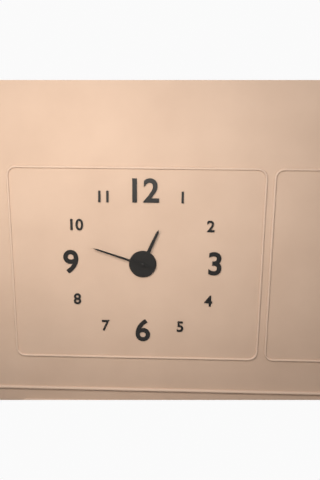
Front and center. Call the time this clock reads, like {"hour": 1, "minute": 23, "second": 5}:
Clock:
{"hour": 12, "minute": 48, "second": 48}
